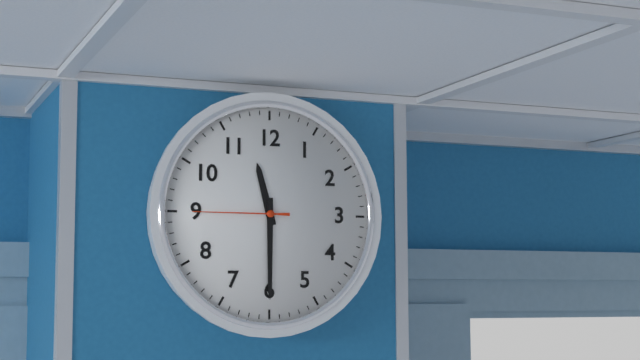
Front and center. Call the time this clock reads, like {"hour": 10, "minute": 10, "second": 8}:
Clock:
{"hour": 11, "minute": 30, "second": 45}
